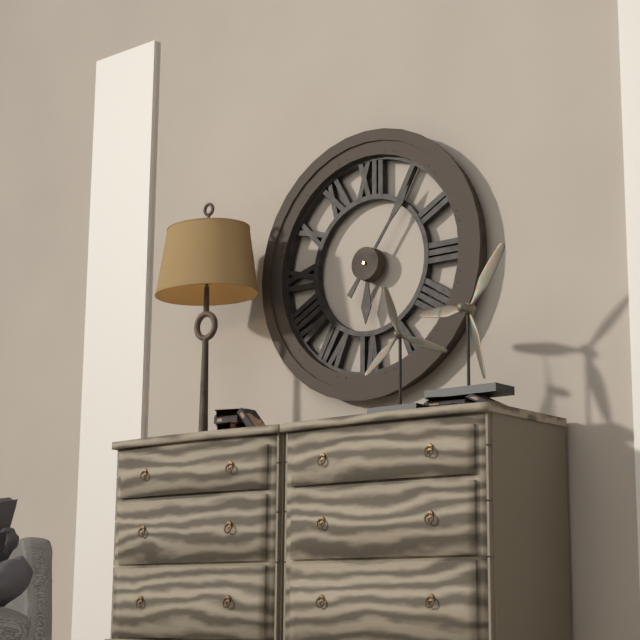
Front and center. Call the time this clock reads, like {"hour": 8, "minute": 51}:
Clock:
{"hour": 6, "minute": 6}
